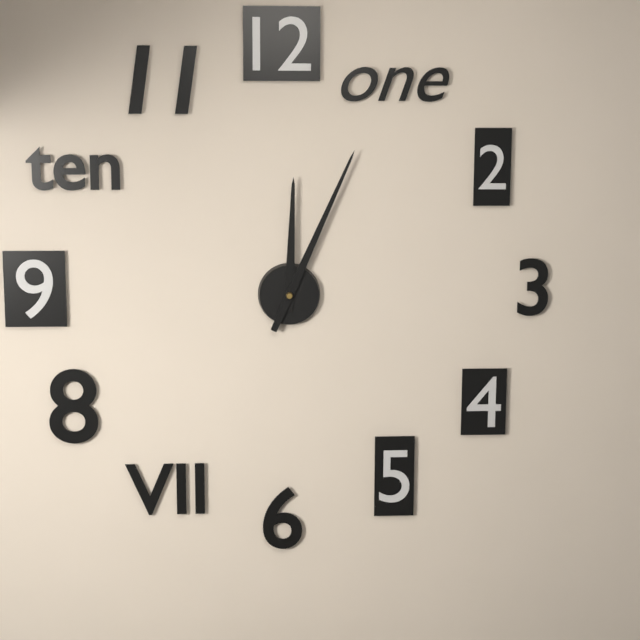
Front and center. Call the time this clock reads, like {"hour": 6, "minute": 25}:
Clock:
{"hour": 12, "minute": 4}
